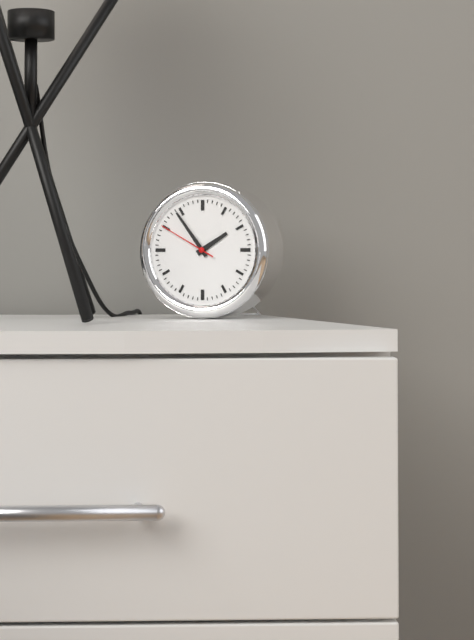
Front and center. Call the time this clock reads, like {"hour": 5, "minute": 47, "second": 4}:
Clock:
{"hour": 1, "minute": 54, "second": 50}
